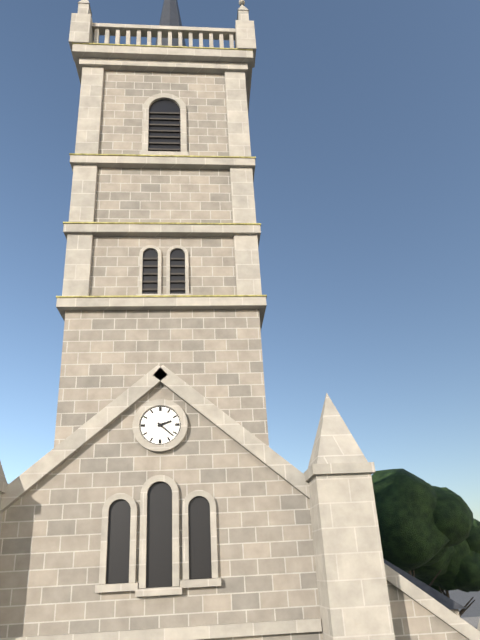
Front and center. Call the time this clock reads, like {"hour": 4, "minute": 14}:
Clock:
{"hour": 2, "minute": 22}
